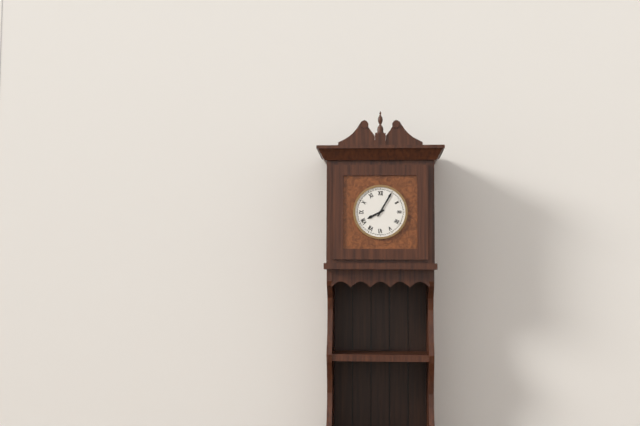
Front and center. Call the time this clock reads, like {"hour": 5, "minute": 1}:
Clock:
{"hour": 8, "minute": 5}
